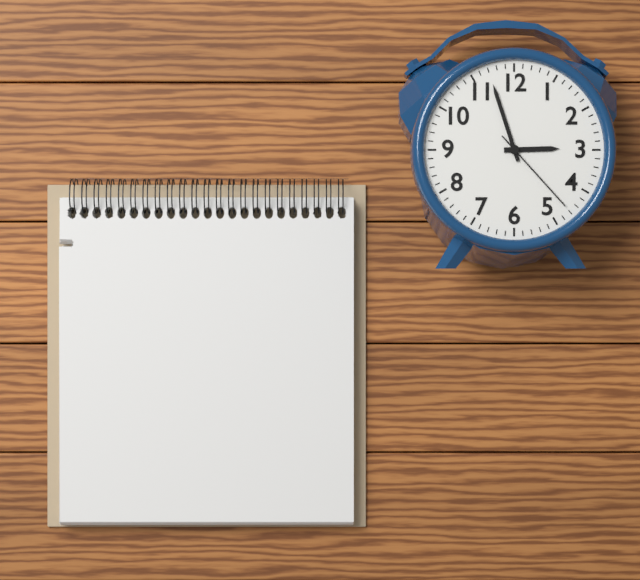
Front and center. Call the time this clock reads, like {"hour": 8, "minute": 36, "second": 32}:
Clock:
{"hour": 2, "minute": 57, "second": 23}
